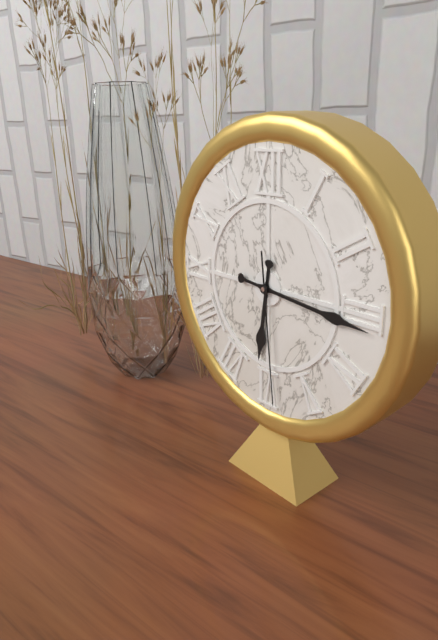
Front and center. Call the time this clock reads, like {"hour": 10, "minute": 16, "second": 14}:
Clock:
{"hour": 6, "minute": 16, "second": 29}
